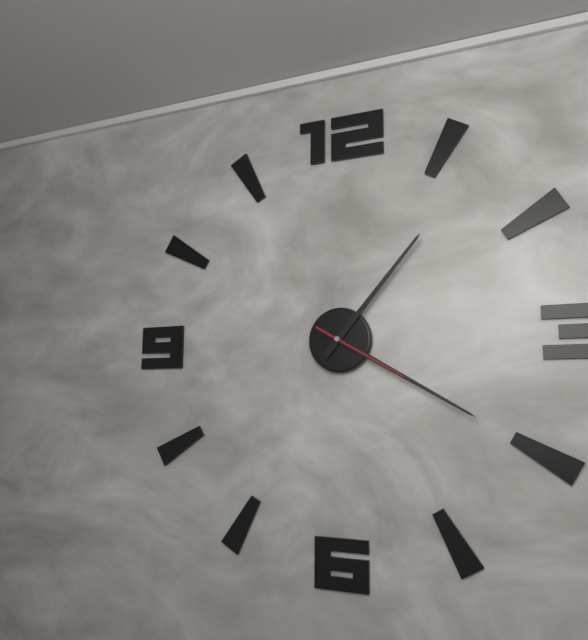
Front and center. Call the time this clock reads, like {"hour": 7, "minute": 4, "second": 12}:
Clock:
{"hour": 1, "minute": 20, "second": 20}
